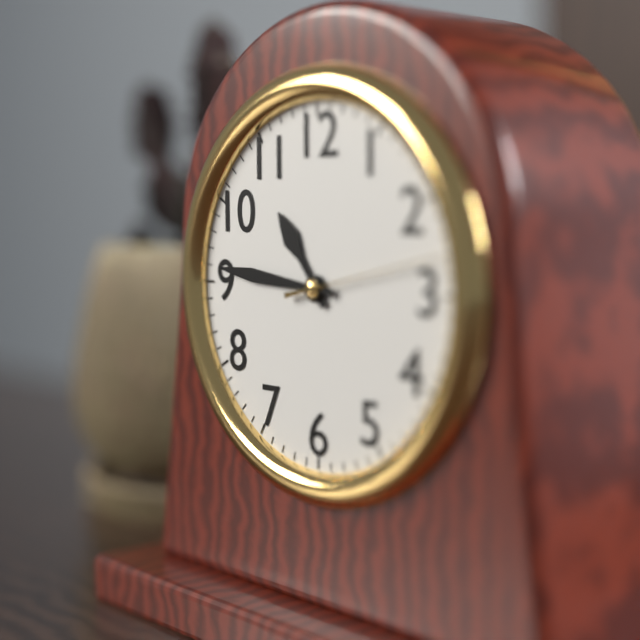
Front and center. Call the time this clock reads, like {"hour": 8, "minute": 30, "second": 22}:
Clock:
{"hour": 10, "minute": 46, "second": 13}
